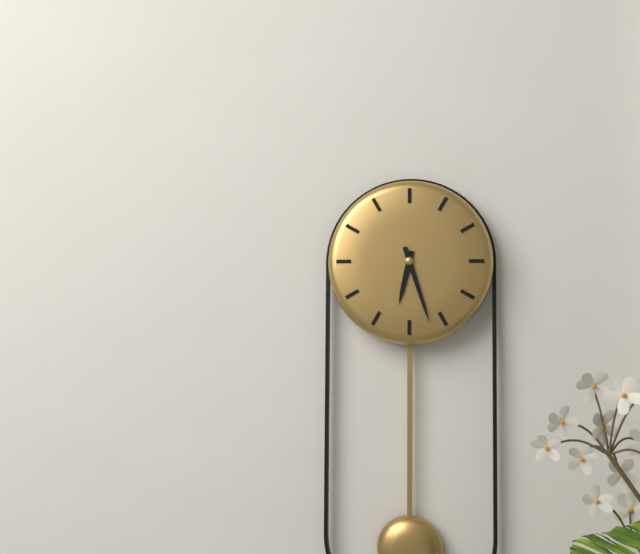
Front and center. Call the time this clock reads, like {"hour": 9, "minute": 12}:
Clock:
{"hour": 6, "minute": 27}
